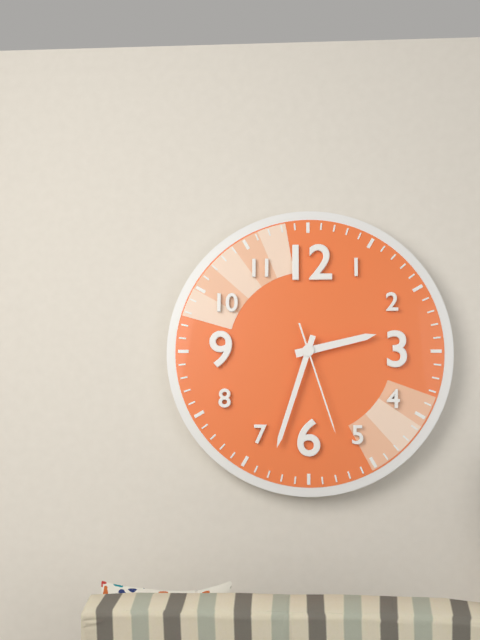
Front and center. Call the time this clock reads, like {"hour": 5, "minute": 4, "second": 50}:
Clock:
{"hour": 2, "minute": 33, "second": 27}
